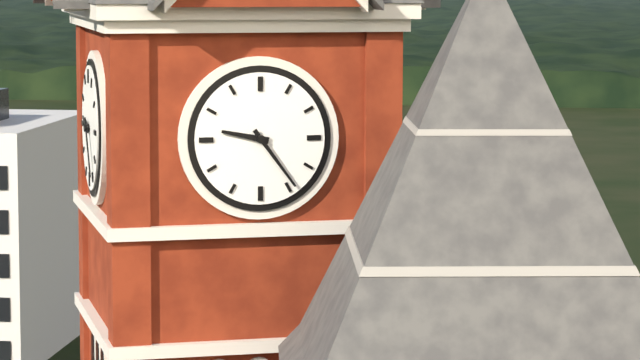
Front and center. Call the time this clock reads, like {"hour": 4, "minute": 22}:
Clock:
{"hour": 9, "minute": 24}
